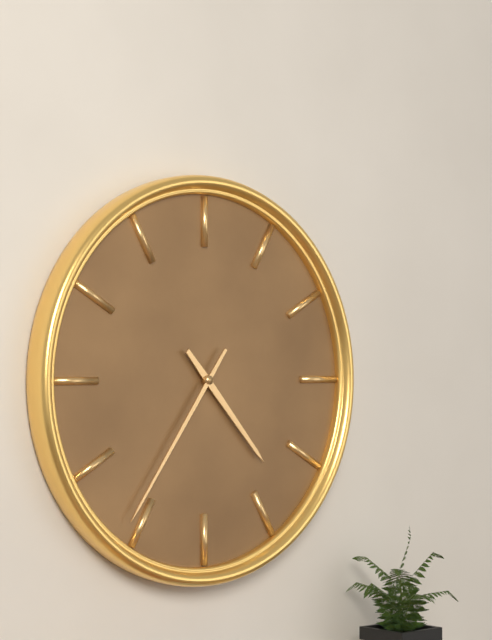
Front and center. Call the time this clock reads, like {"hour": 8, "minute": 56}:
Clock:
{"hour": 4, "minute": 36}
